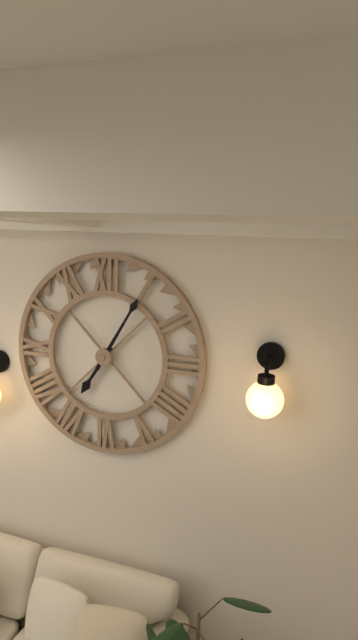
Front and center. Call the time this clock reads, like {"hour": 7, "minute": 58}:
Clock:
{"hour": 7, "minute": 5}
